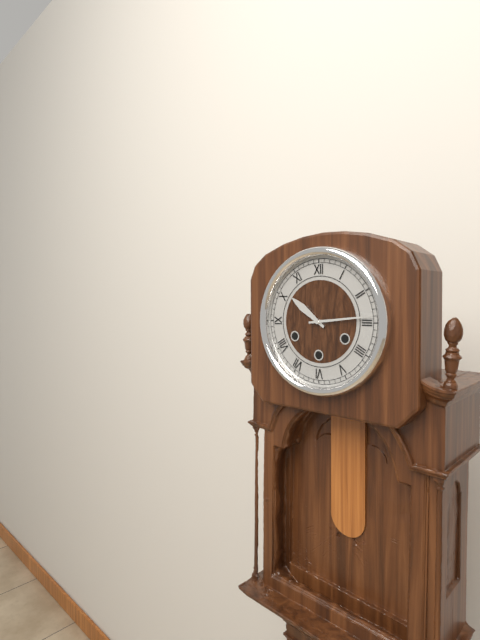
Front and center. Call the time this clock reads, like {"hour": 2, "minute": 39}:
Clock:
{"hour": 10, "minute": 14}
